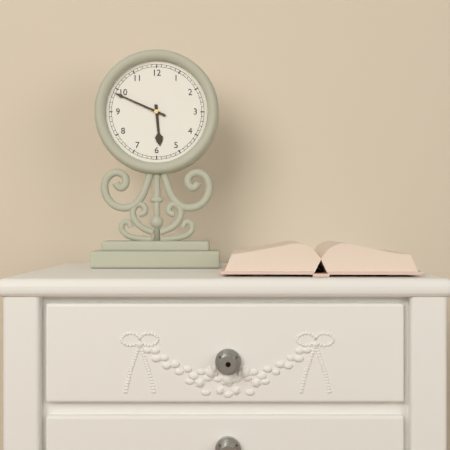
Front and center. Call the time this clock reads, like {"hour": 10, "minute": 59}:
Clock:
{"hour": 5, "minute": 49}
